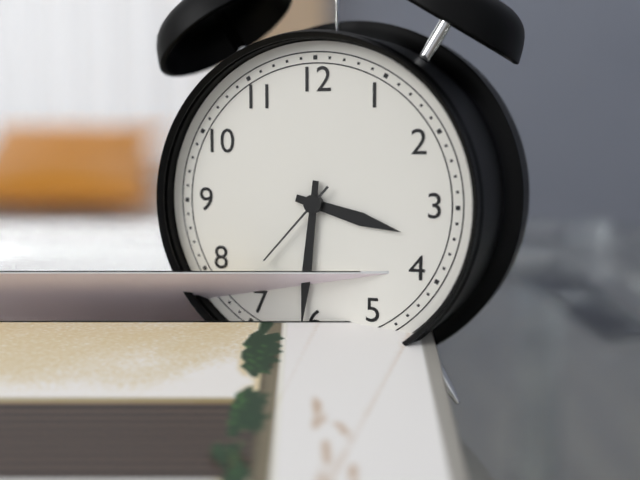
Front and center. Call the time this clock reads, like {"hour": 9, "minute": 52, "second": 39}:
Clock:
{"hour": 3, "minute": 31, "second": 37}
